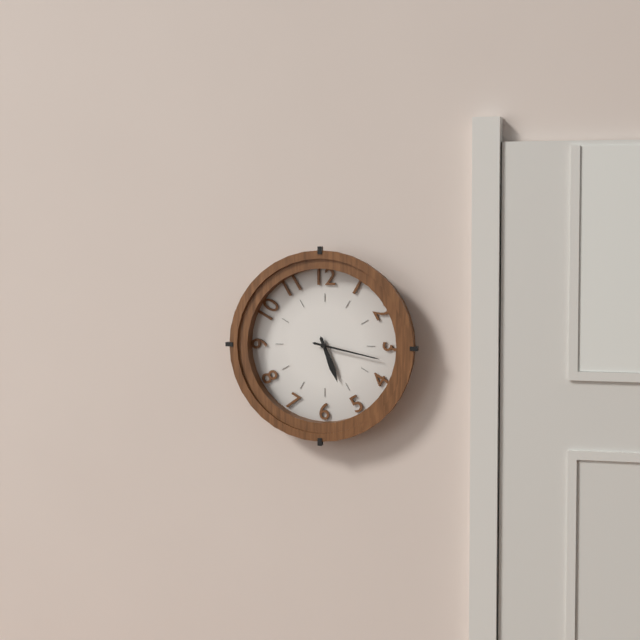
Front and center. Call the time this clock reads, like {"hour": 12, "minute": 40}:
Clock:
{"hour": 5, "minute": 17}
